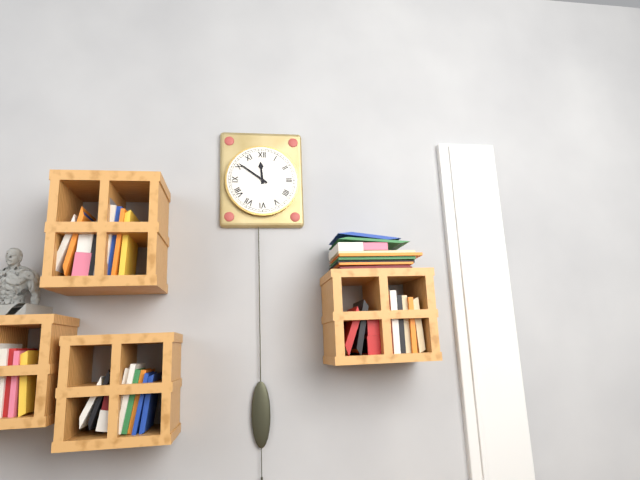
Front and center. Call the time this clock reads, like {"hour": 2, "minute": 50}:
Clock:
{"hour": 11, "minute": 51}
